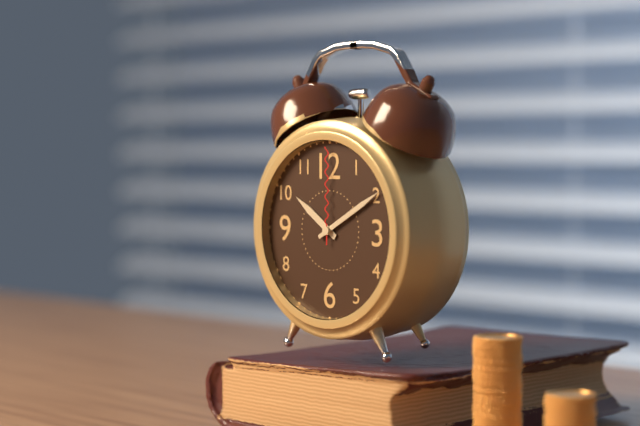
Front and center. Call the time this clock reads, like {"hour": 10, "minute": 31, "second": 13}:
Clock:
{"hour": 10, "minute": 10, "second": 0}
